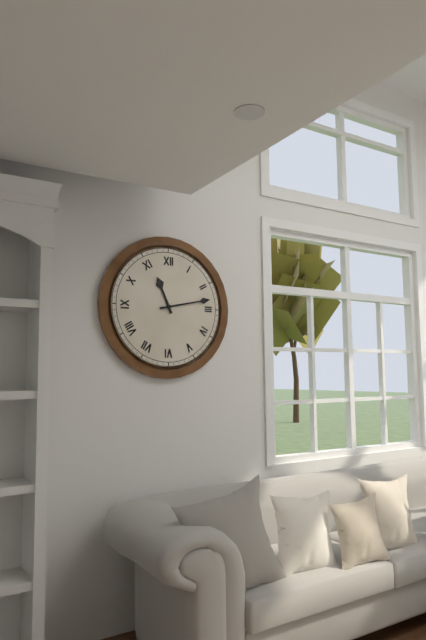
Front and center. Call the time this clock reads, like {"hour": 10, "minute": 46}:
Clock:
{"hour": 11, "minute": 13}
